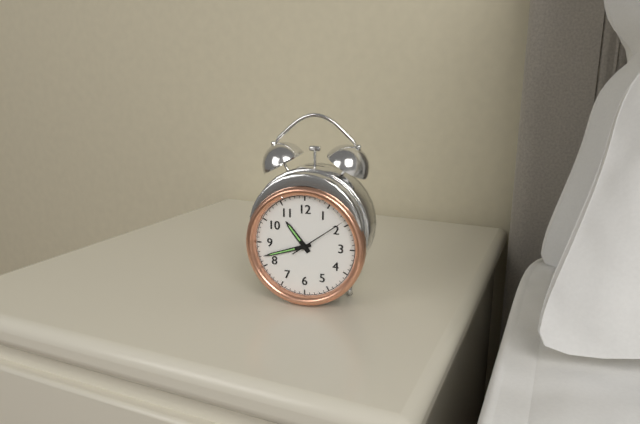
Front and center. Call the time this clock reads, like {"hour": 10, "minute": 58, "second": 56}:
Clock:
{"hour": 10, "minute": 42, "second": 9}
